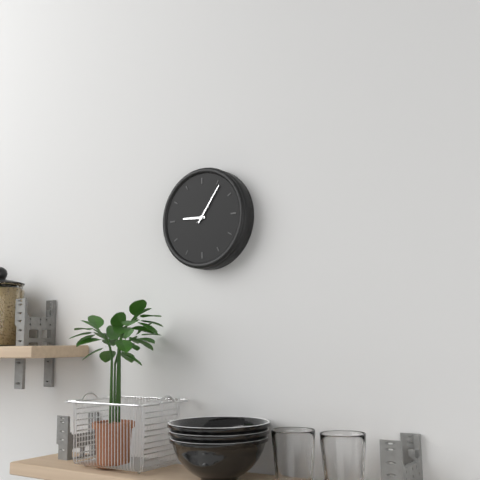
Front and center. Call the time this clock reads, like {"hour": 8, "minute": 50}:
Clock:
{"hour": 9, "minute": 6}
